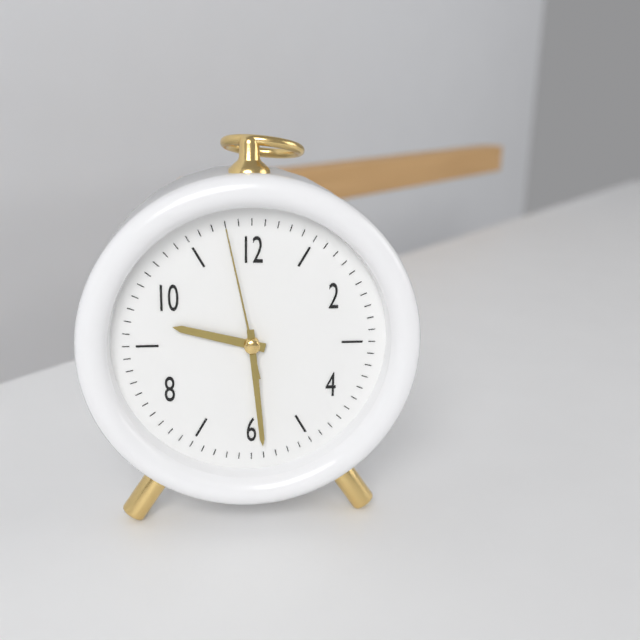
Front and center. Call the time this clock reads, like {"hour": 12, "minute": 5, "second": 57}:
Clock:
{"hour": 9, "minute": 29, "second": 58}
